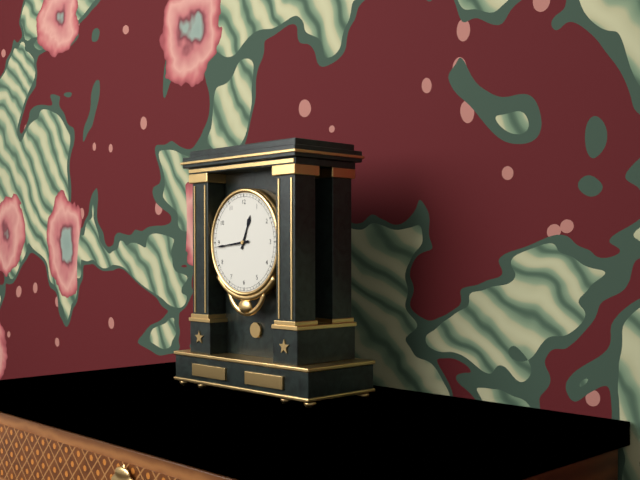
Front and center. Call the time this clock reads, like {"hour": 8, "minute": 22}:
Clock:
{"hour": 12, "minute": 44}
